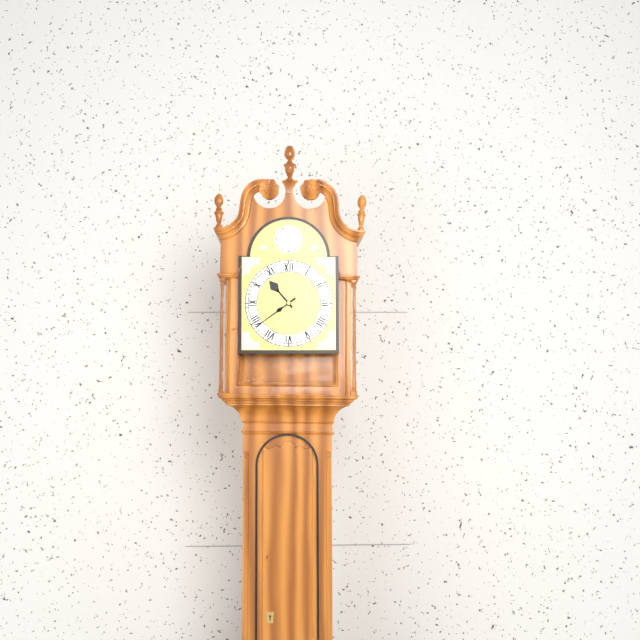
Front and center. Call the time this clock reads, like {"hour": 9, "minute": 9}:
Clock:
{"hour": 10, "minute": 39}
